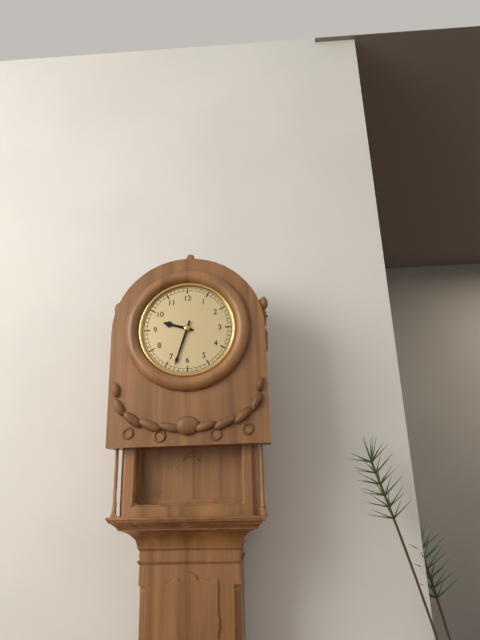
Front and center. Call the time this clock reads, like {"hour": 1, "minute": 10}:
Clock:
{"hour": 9, "minute": 33}
